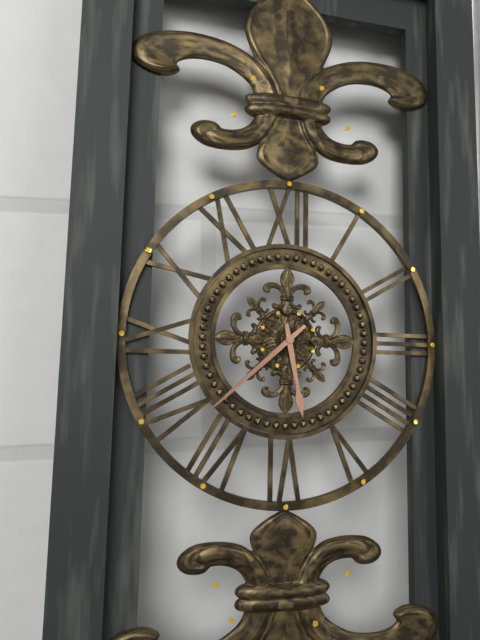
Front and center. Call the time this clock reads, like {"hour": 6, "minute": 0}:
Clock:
{"hour": 5, "minute": 38}
